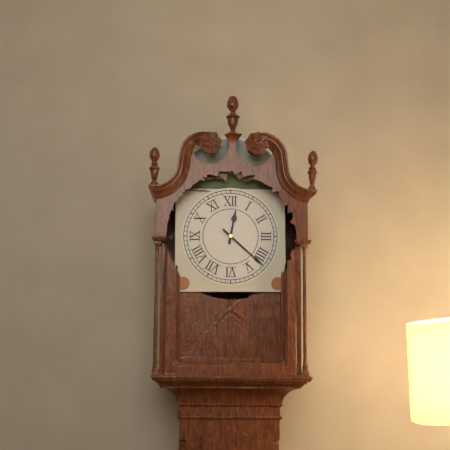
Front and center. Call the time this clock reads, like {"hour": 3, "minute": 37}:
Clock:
{"hour": 12, "minute": 22}
